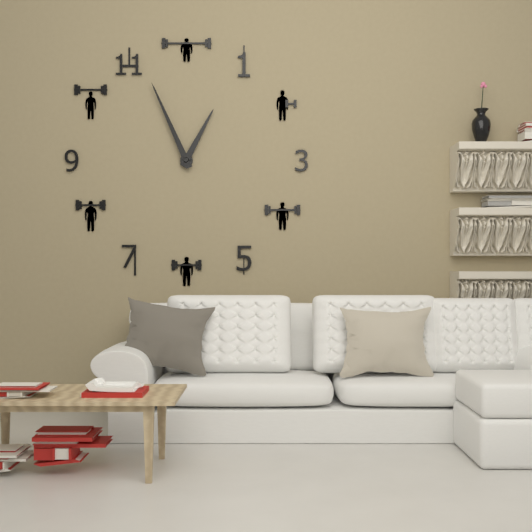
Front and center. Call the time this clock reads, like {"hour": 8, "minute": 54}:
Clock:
{"hour": 12, "minute": 56}
